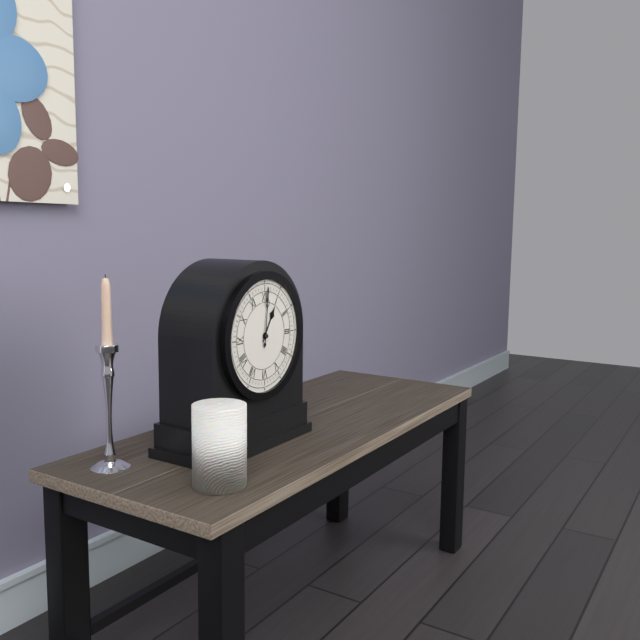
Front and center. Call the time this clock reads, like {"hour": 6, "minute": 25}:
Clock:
{"hour": 1, "minute": 1}
